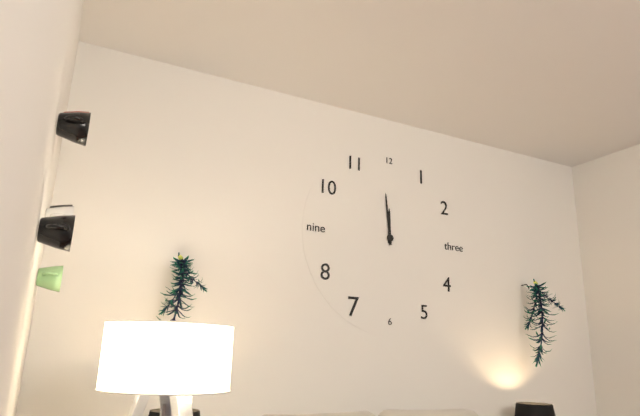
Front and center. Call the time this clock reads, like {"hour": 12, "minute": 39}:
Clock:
{"hour": 11, "minute": 59}
